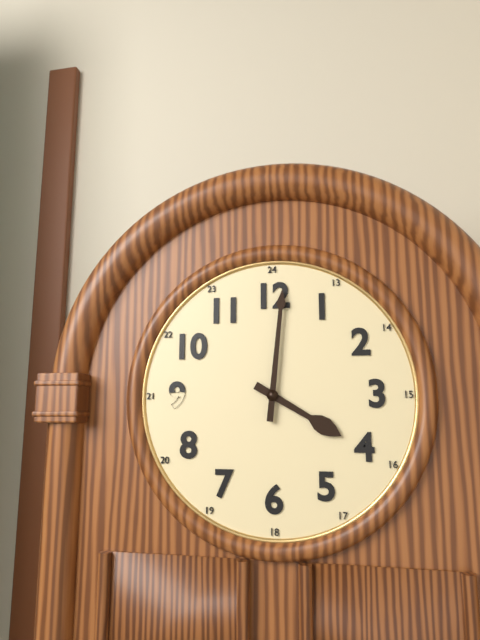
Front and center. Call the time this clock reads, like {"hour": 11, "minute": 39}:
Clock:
{"hour": 4, "minute": 1}
